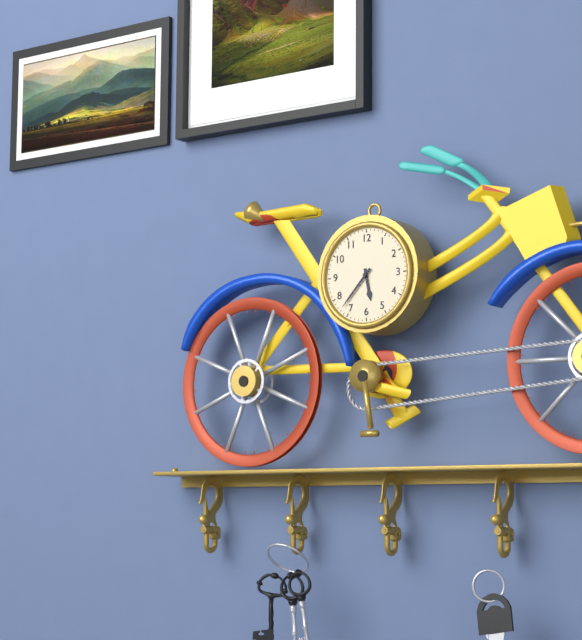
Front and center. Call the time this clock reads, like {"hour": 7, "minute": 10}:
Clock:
{"hour": 5, "minute": 37}
